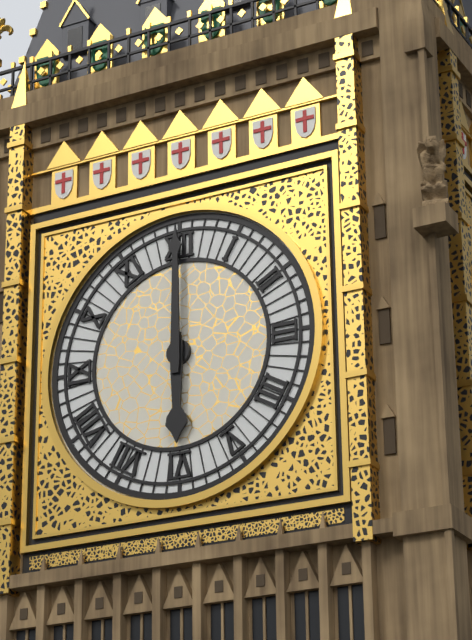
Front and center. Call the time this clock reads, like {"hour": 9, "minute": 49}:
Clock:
{"hour": 6, "minute": 0}
